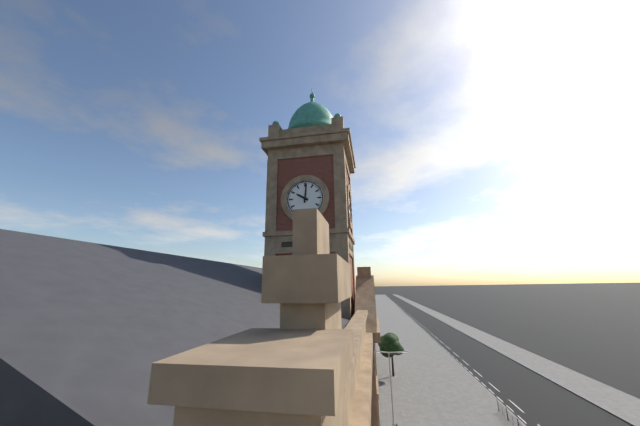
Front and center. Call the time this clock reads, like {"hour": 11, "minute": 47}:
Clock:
{"hour": 10, "minute": 1}
